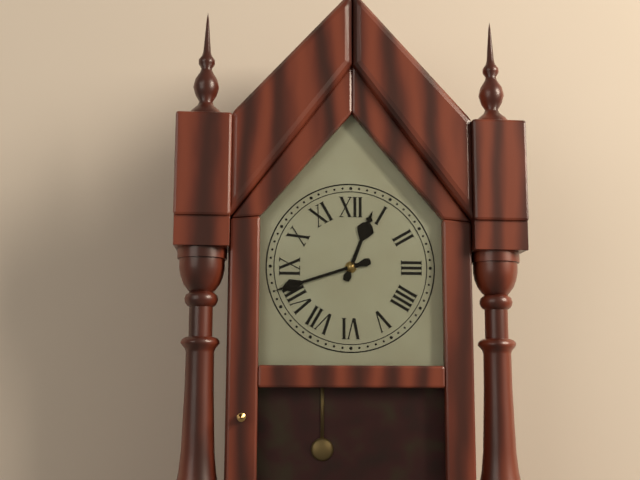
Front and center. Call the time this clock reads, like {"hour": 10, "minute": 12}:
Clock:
{"hour": 12, "minute": 42}
